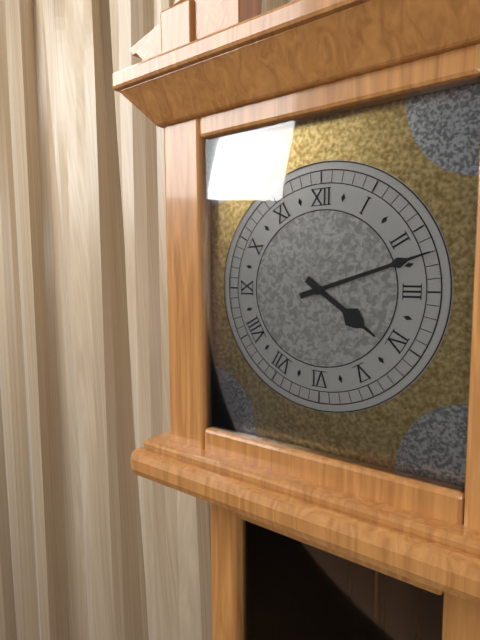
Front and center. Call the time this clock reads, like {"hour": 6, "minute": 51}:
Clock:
{"hour": 4, "minute": 12}
